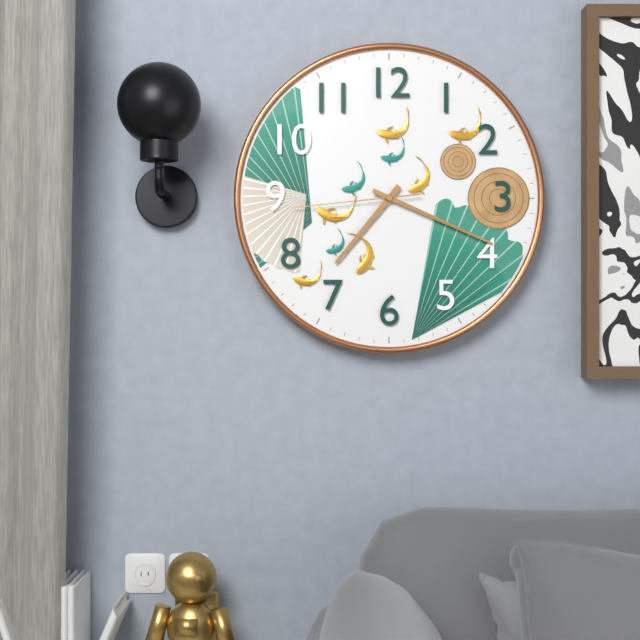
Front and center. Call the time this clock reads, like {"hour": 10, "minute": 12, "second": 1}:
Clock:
{"hour": 7, "minute": 19, "second": 44}
